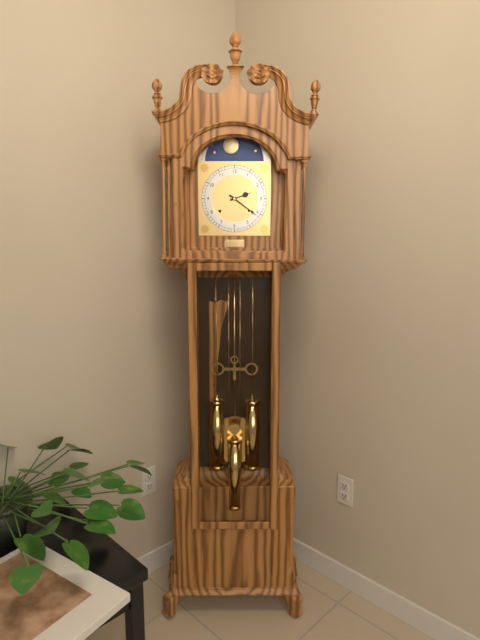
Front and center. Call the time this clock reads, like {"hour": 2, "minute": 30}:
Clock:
{"hour": 2, "minute": 21}
